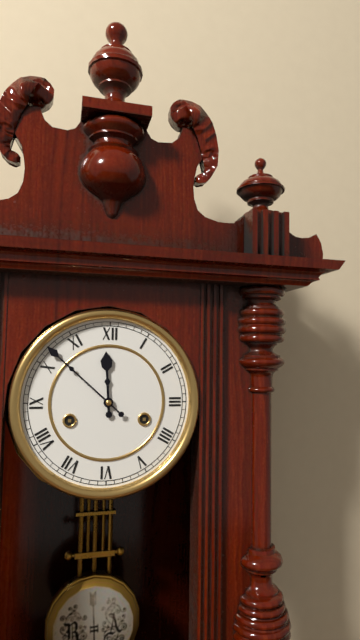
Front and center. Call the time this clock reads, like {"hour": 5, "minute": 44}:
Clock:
{"hour": 11, "minute": 52}
